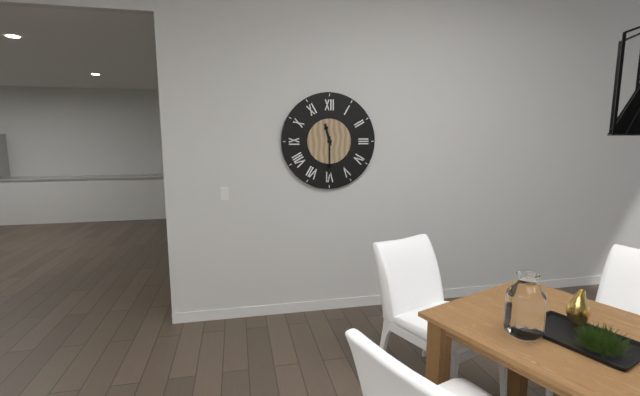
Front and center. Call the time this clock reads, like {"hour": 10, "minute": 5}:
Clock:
{"hour": 11, "minute": 30}
